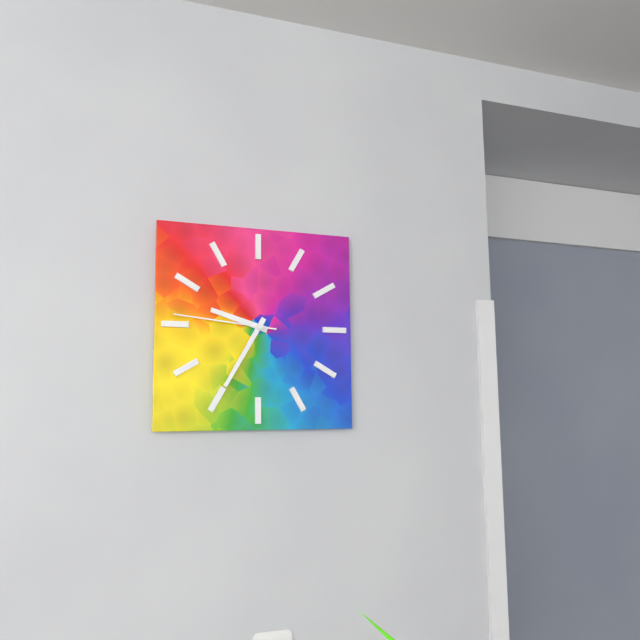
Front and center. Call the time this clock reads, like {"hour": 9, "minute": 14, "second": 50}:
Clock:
{"hour": 9, "minute": 35, "second": 46}
